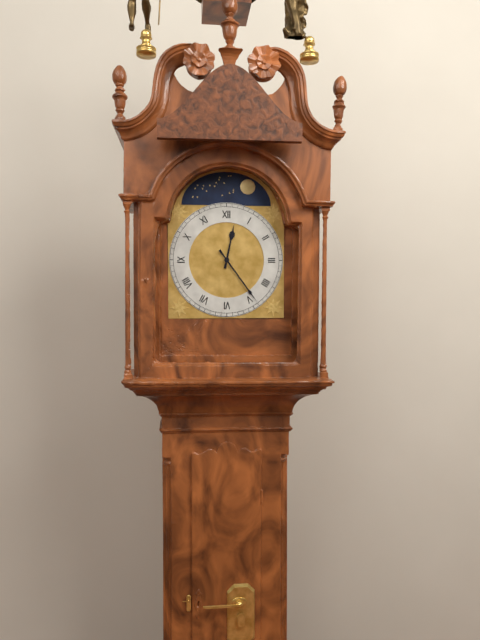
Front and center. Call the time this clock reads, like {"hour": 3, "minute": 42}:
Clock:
{"hour": 12, "minute": 24}
